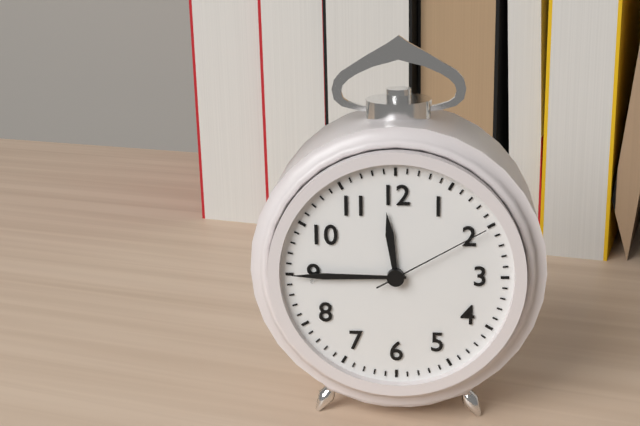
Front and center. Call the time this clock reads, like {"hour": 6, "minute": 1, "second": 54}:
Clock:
{"hour": 11, "minute": 45, "second": 10}
